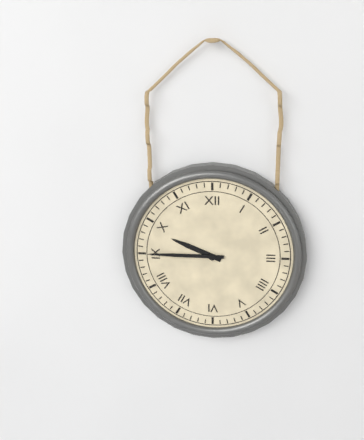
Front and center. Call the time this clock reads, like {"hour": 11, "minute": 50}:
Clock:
{"hour": 9, "minute": 45}
